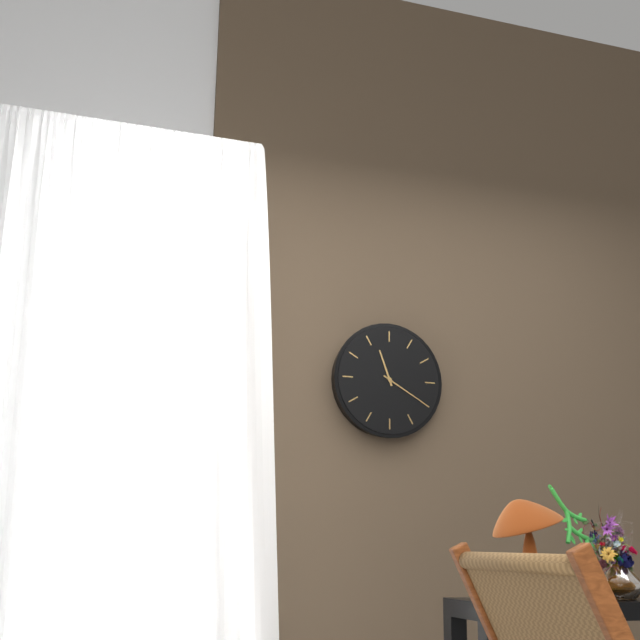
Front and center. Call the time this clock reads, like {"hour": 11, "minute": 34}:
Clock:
{"hour": 11, "minute": 20}
